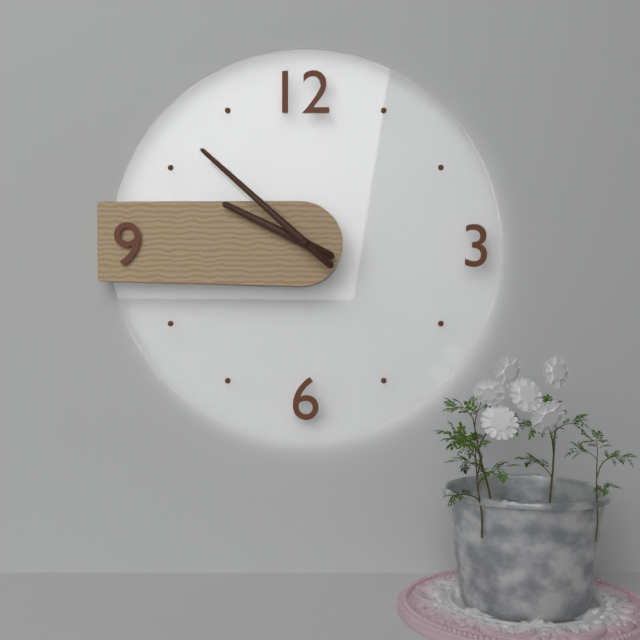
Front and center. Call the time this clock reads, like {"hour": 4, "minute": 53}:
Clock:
{"hour": 9, "minute": 52}
